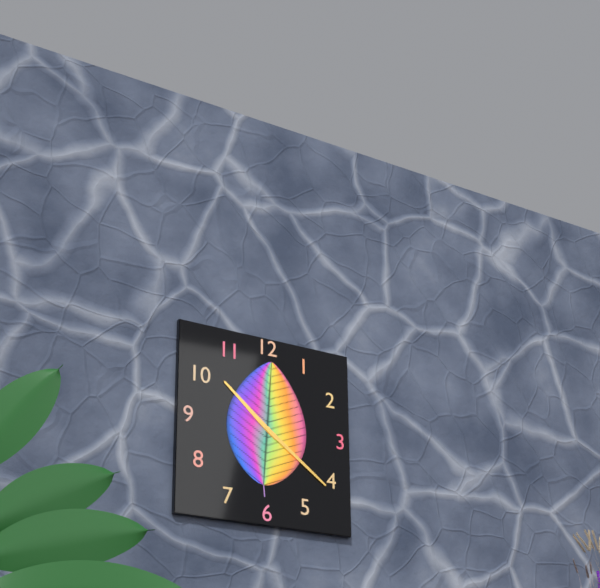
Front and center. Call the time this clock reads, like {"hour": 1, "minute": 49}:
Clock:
{"hour": 10, "minute": 21}
